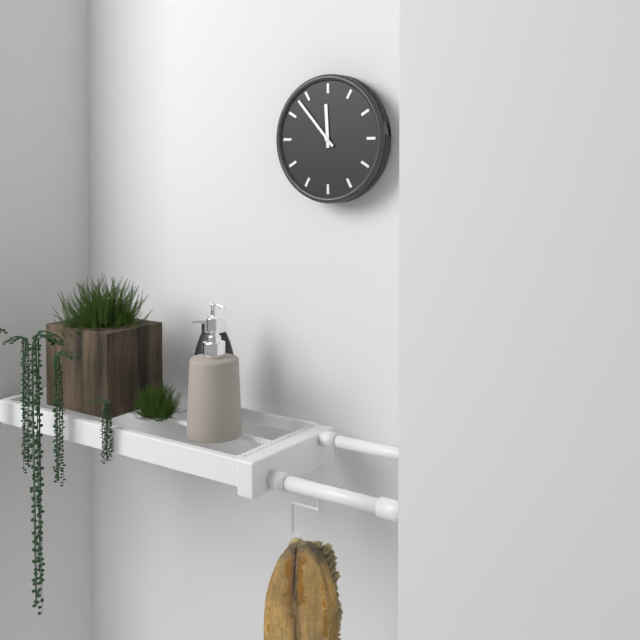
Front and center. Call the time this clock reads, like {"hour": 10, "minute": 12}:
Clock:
{"hour": 11, "minute": 53}
